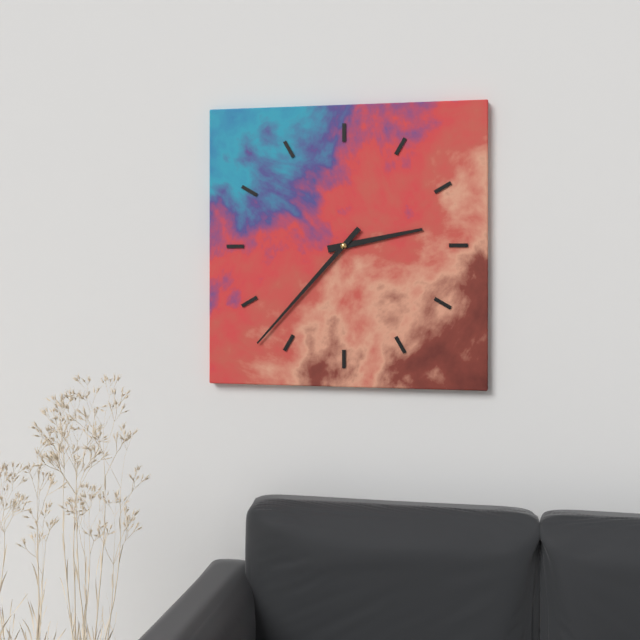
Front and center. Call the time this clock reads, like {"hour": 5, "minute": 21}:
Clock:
{"hour": 2, "minute": 37}
